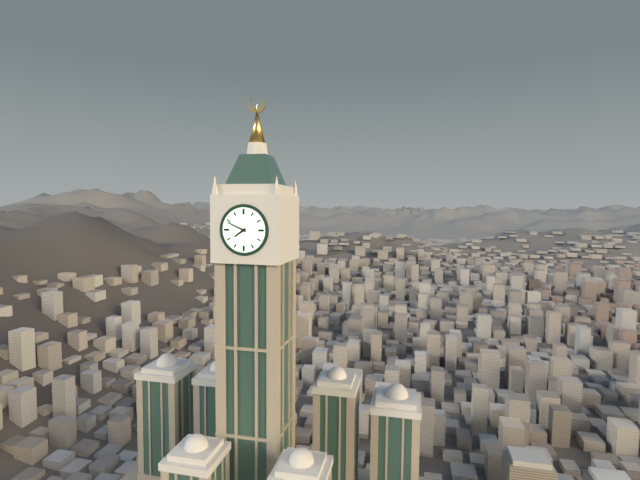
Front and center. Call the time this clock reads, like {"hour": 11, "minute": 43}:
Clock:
{"hour": 7, "minute": 49}
